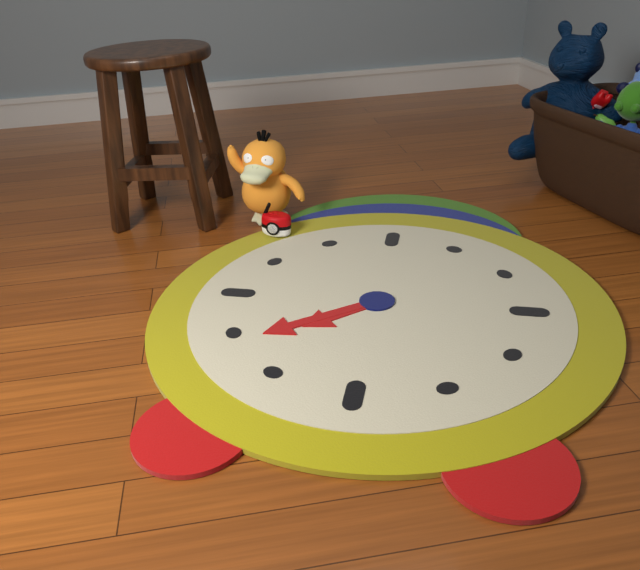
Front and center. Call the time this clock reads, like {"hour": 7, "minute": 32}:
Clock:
{"hour": 7, "minute": 39}
